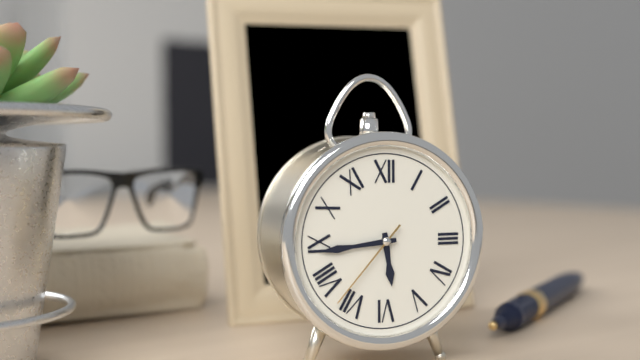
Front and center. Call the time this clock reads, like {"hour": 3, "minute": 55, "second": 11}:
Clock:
{"hour": 5, "minute": 44, "second": 37}
